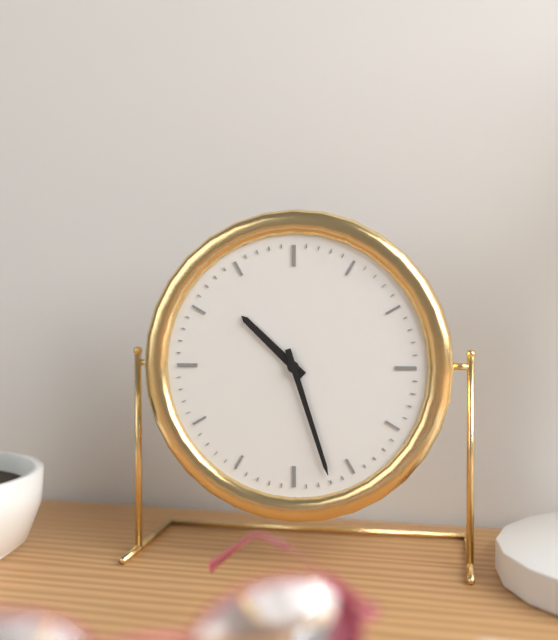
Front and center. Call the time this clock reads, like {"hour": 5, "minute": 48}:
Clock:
{"hour": 10, "minute": 27}
